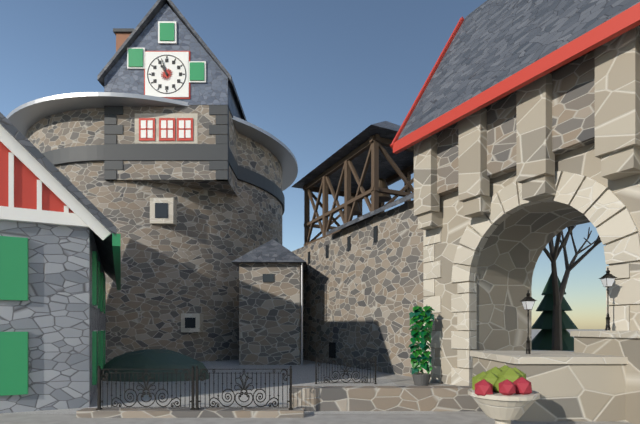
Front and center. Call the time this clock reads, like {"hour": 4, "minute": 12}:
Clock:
{"hour": 10, "minute": 57}
